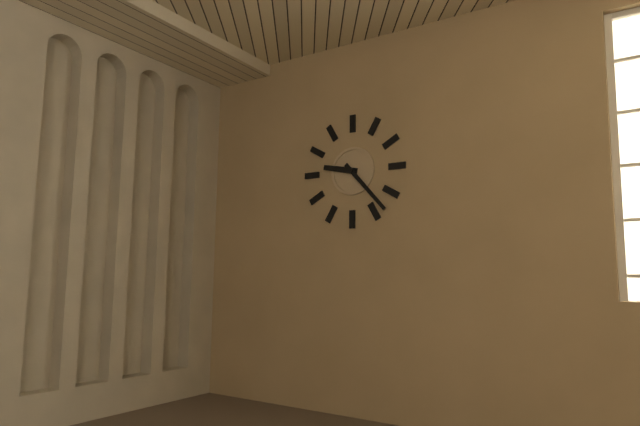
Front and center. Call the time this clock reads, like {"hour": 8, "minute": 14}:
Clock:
{"hour": 9, "minute": 23}
